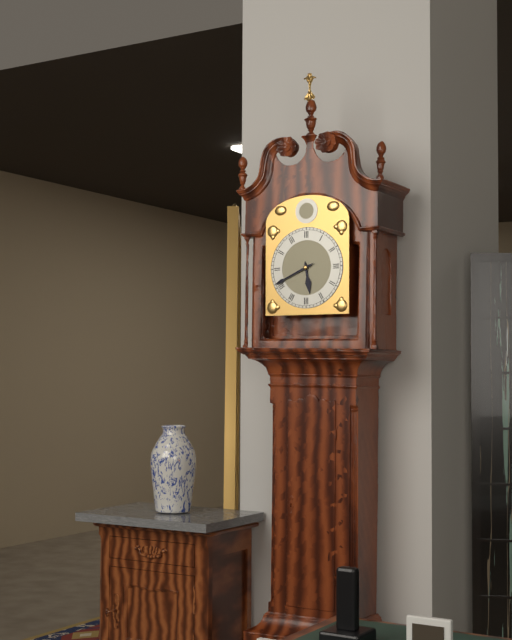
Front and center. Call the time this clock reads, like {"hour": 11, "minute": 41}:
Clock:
{"hour": 5, "minute": 41}
